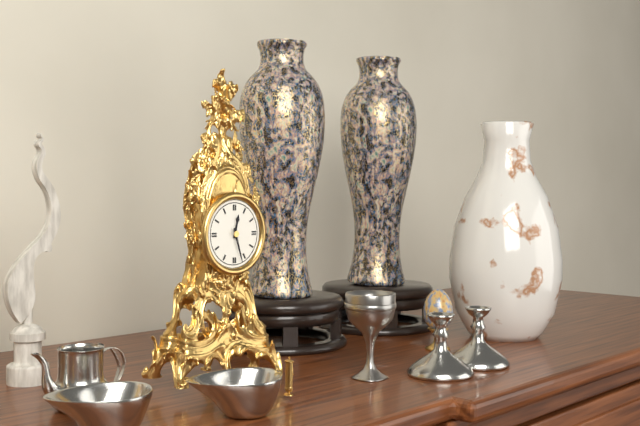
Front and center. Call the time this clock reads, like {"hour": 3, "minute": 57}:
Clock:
{"hour": 12, "minute": 27}
